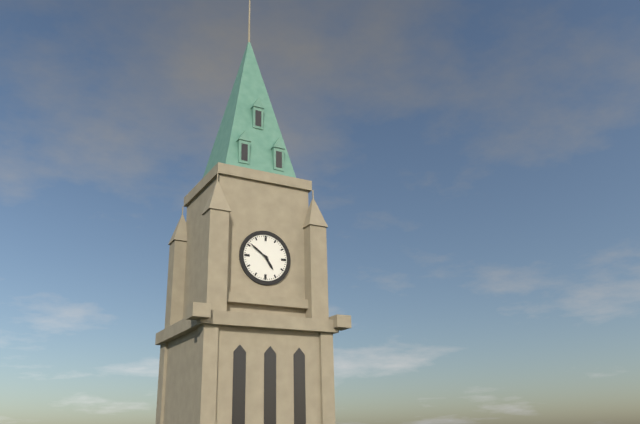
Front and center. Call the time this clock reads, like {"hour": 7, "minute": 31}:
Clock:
{"hour": 4, "minute": 51}
